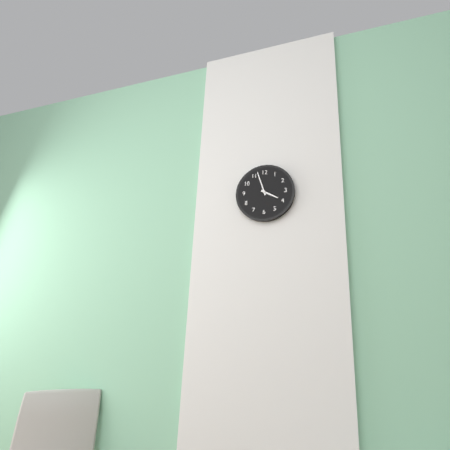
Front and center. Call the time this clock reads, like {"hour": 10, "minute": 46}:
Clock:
{"hour": 3, "minute": 57}
